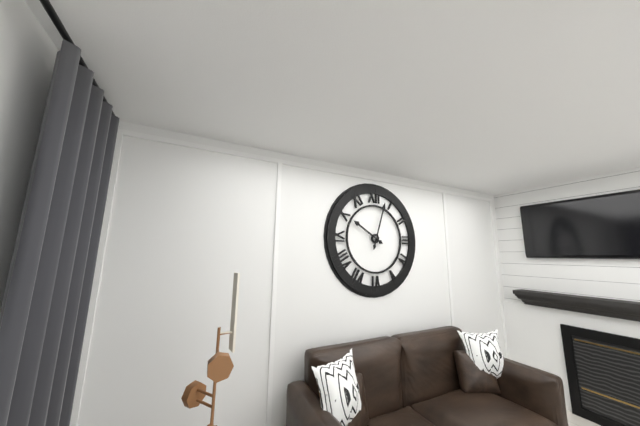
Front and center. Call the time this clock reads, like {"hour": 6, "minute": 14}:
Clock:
{"hour": 10, "minute": 3}
